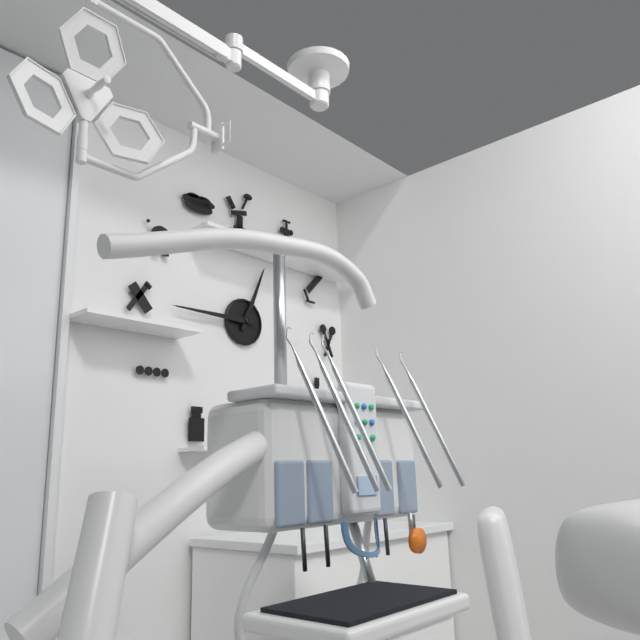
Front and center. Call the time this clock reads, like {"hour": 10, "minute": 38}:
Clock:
{"hour": 12, "minute": 45}
